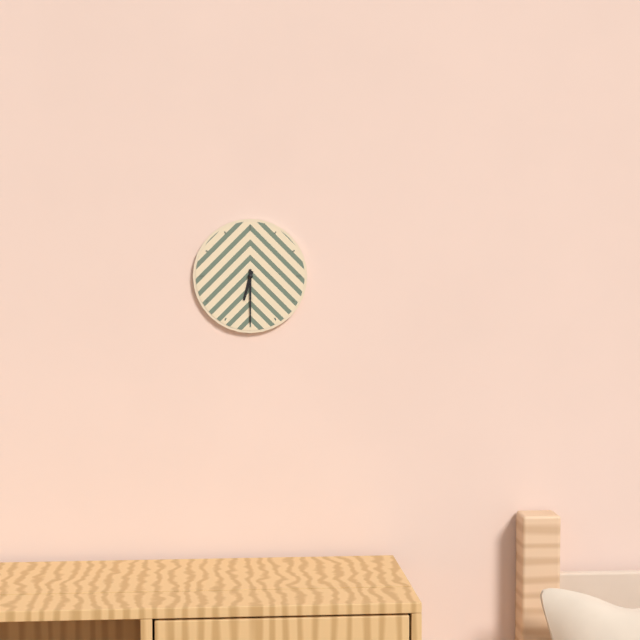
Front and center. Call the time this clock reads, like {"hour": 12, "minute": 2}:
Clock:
{"hour": 6, "minute": 30}
